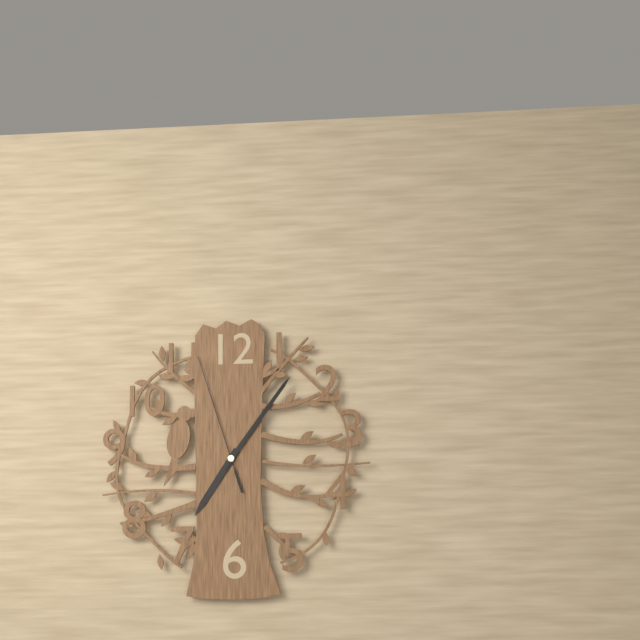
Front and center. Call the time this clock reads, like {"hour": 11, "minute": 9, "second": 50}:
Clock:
{"hour": 7, "minute": 6, "second": 57}
